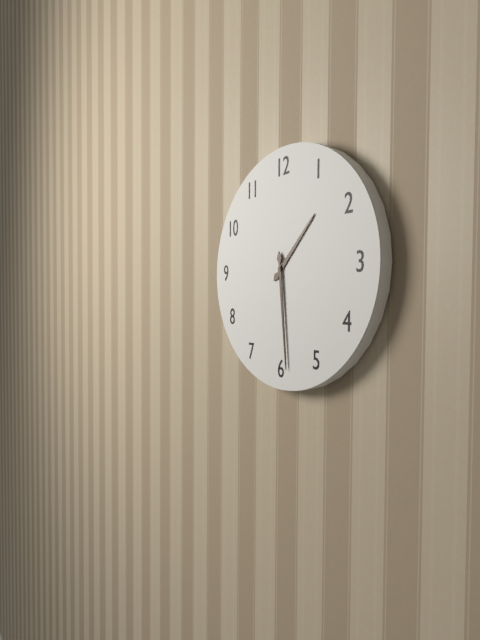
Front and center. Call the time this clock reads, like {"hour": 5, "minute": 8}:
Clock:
{"hour": 1, "minute": 29}
